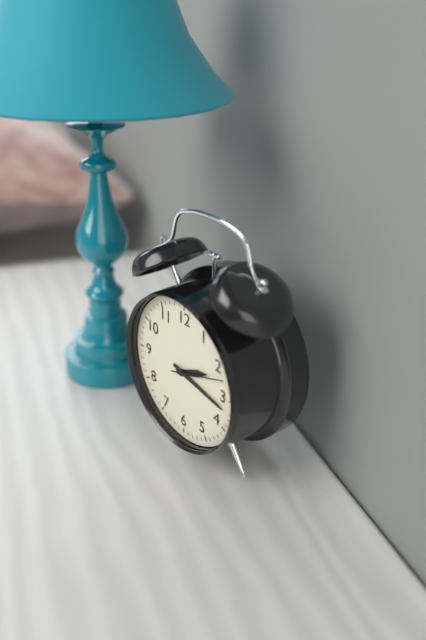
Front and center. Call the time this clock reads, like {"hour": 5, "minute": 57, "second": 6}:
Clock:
{"hour": 2, "minute": 17, "second": 12}
